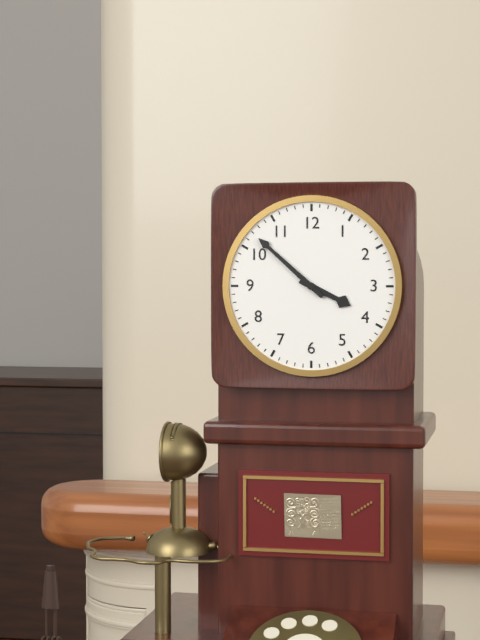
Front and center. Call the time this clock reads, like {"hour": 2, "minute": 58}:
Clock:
{"hour": 3, "minute": 52}
